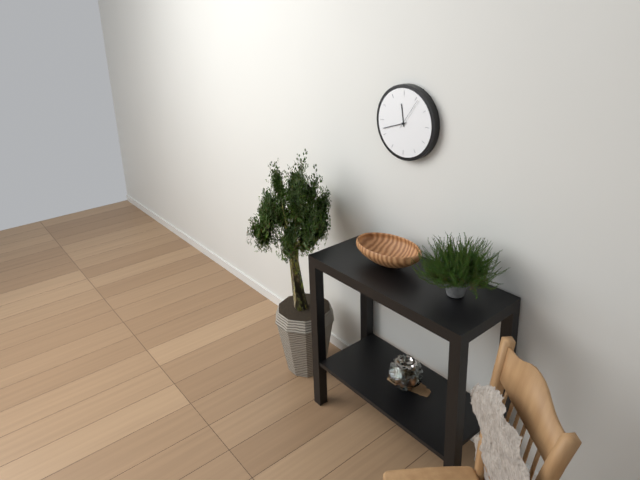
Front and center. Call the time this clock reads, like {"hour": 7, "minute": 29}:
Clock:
{"hour": 11, "minute": 42}
